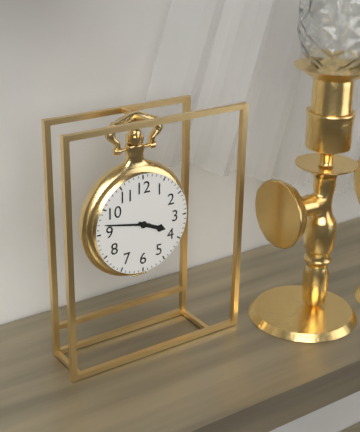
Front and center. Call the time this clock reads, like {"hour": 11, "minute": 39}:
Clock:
{"hour": 3, "minute": 47}
